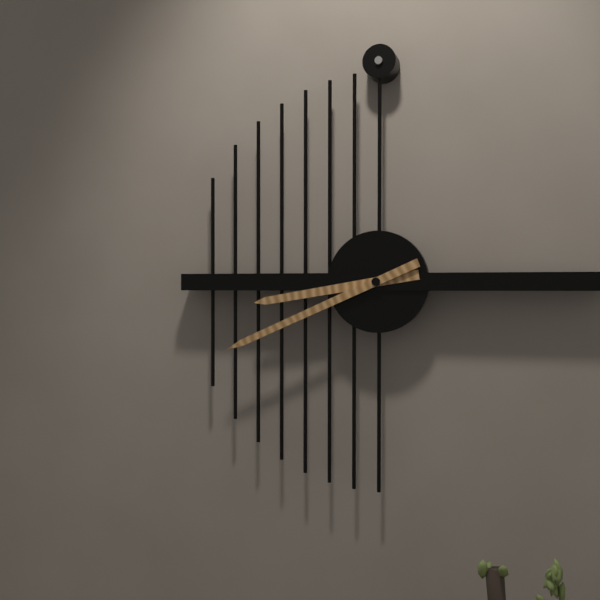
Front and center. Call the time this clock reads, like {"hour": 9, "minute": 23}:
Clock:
{"hour": 8, "minute": 41}
